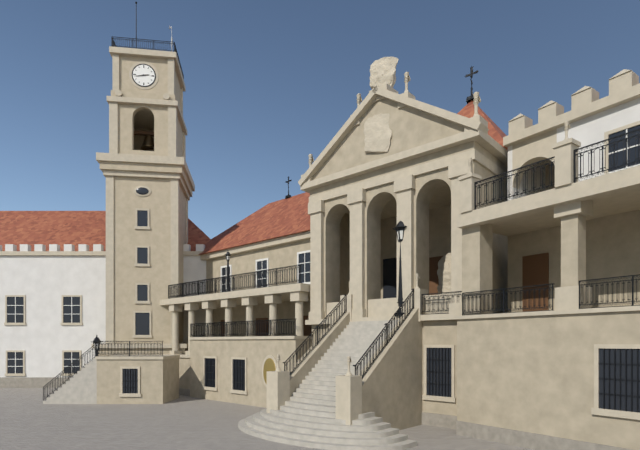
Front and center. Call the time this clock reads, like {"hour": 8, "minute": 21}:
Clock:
{"hour": 2, "minute": 43}
